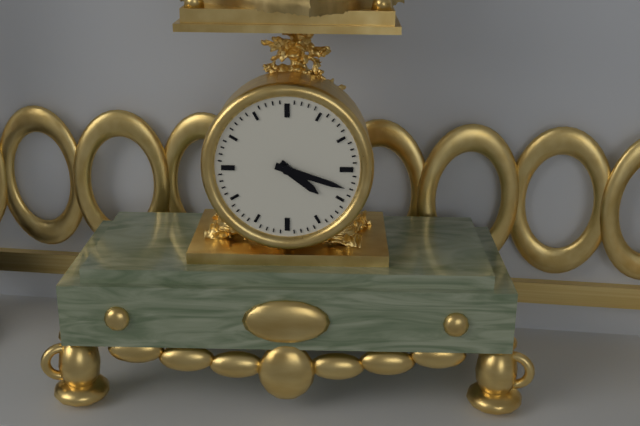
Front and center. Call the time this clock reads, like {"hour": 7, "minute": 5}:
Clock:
{"hour": 4, "minute": 18}
